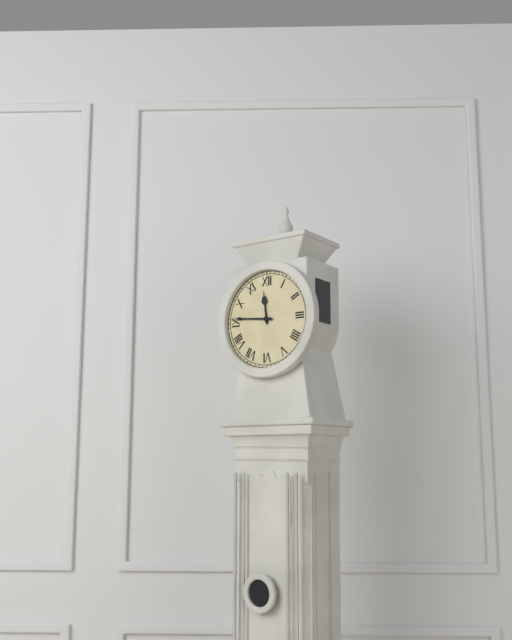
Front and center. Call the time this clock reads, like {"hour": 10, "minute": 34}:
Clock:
{"hour": 11, "minute": 46}
